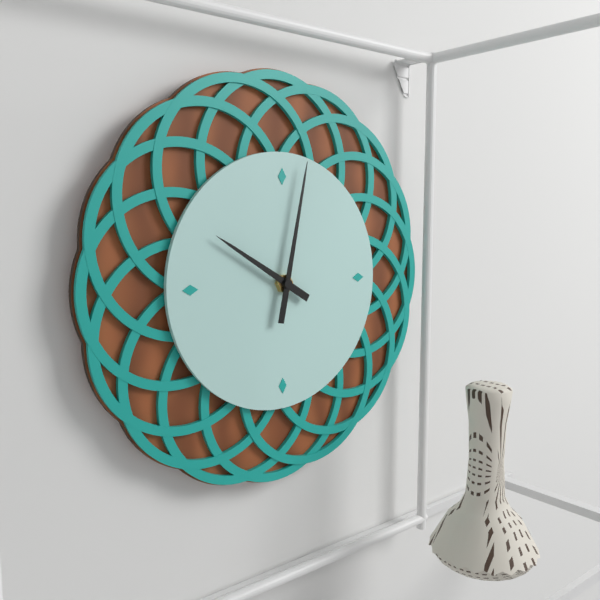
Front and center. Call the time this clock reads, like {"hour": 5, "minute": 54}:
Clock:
{"hour": 10, "minute": 2}
